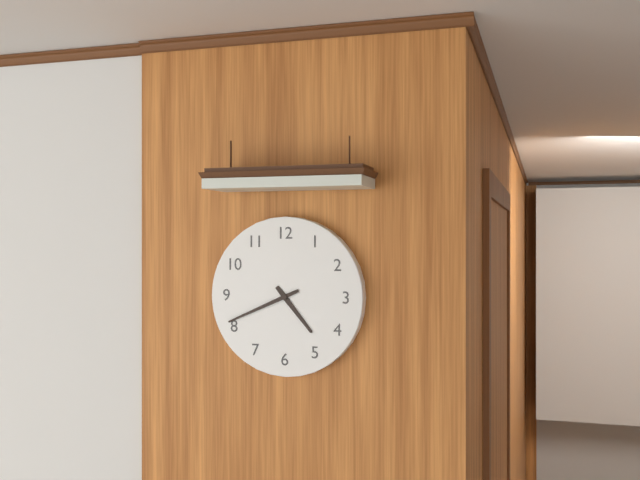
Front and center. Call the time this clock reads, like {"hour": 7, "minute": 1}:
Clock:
{"hour": 4, "minute": 41}
